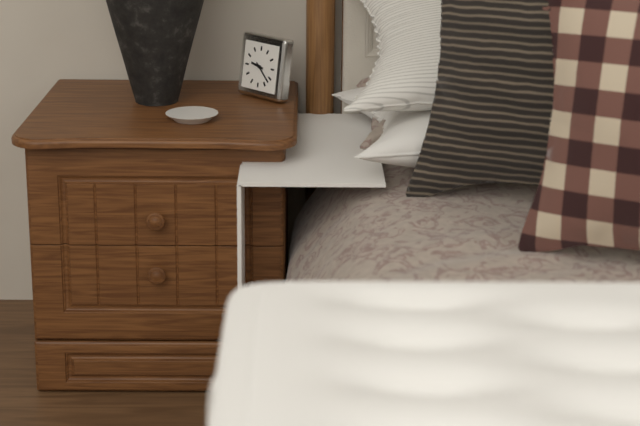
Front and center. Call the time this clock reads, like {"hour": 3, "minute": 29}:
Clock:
{"hour": 9, "minute": 22}
